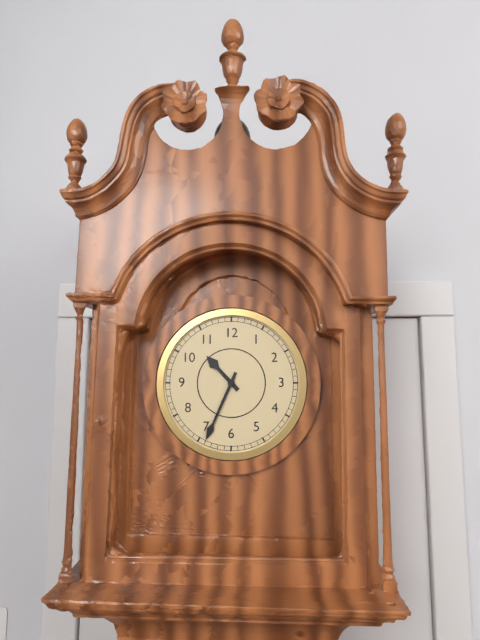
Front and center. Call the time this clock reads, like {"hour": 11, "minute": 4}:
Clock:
{"hour": 10, "minute": 34}
